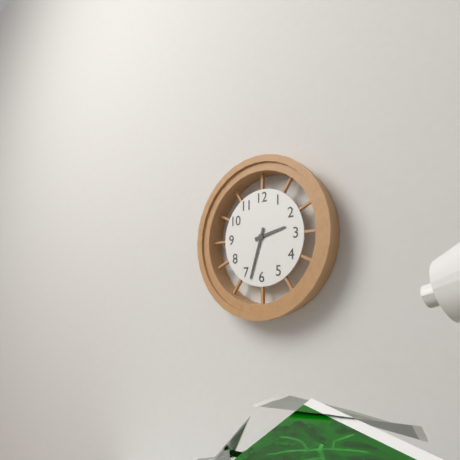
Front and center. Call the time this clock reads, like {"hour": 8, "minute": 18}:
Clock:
{"hour": 2, "minute": 33}
